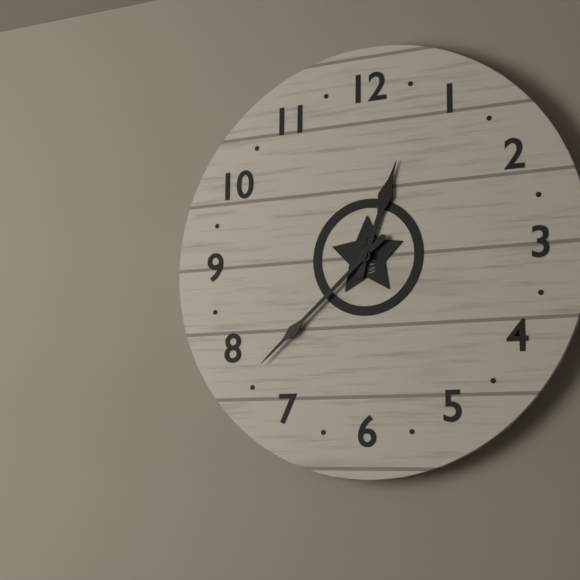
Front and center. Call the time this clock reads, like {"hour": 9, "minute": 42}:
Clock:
{"hour": 12, "minute": 38}
